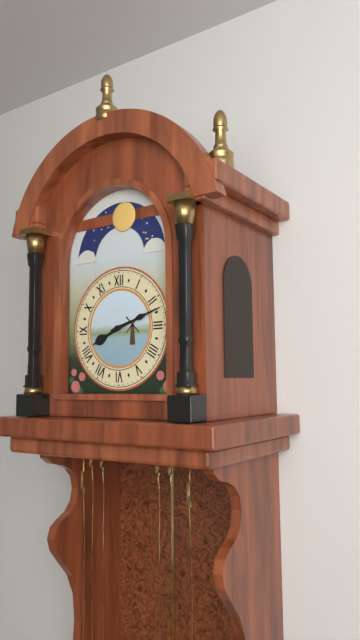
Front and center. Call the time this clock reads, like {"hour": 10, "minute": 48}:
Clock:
{"hour": 8, "minute": 12}
